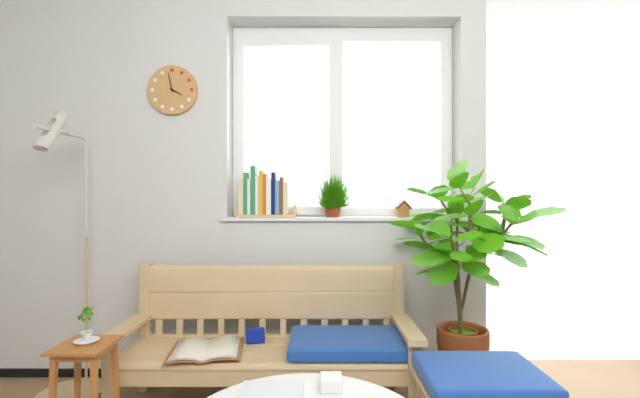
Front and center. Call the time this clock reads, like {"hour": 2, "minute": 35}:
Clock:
{"hour": 3, "minute": 58}
